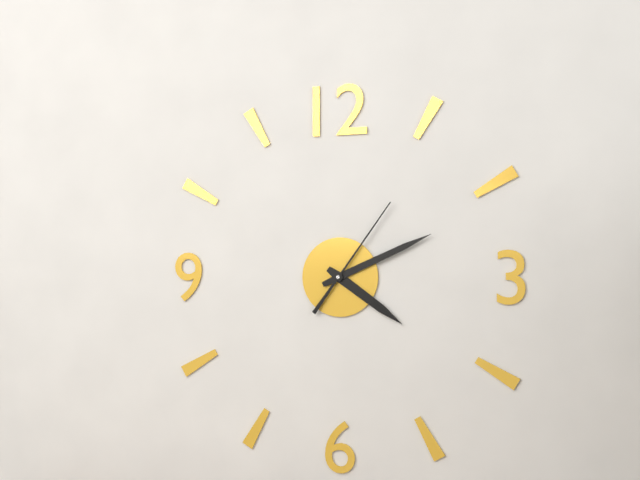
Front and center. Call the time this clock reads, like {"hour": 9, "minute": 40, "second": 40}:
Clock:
{"hour": 4, "minute": 11, "second": 6}
